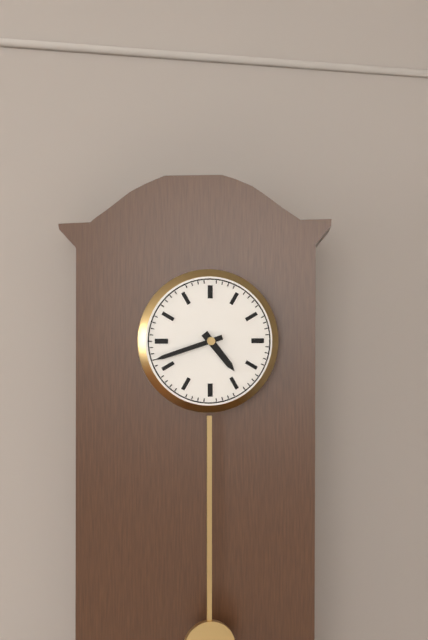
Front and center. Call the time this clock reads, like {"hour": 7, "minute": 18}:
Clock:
{"hour": 4, "minute": 42}
